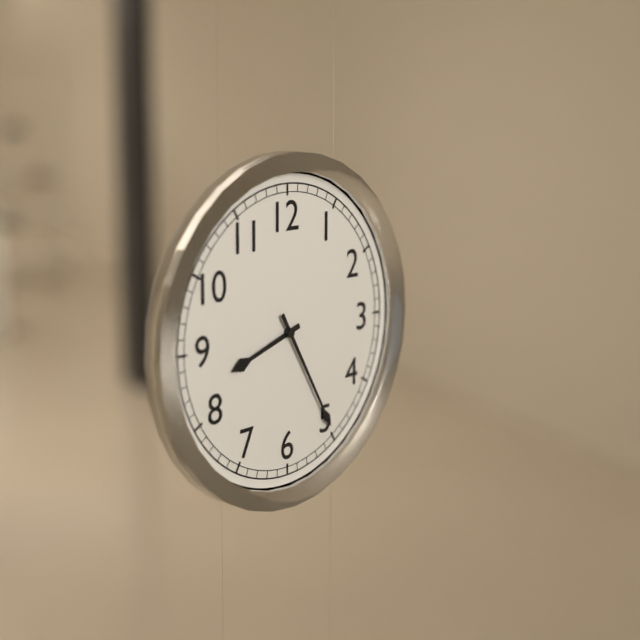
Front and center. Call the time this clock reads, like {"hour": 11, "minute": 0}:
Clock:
{"hour": 8, "minute": 25}
